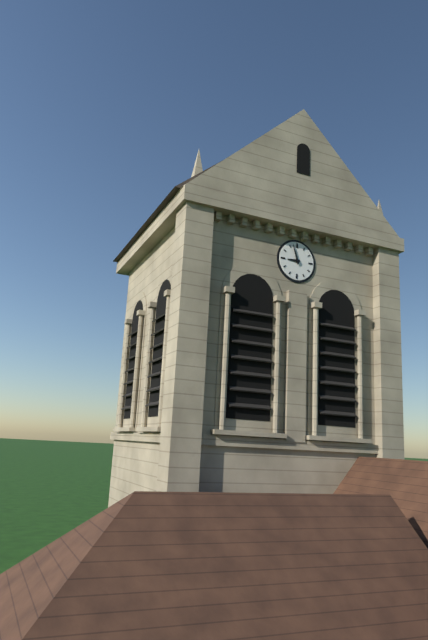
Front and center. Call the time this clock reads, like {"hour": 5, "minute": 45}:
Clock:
{"hour": 8, "minute": 57}
